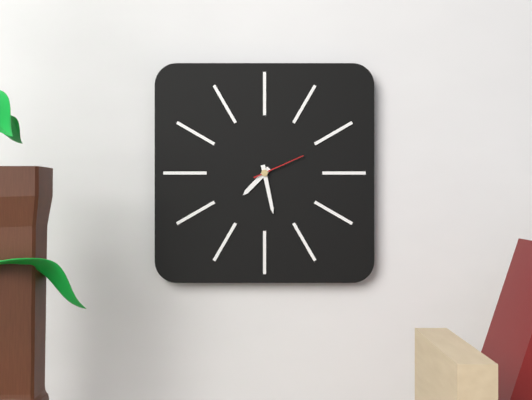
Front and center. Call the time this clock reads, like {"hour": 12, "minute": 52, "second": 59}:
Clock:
{"hour": 7, "minute": 28, "second": 11}
